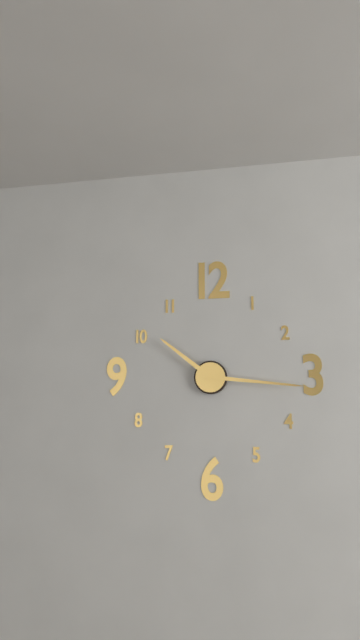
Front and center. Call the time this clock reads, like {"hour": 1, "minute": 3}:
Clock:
{"hour": 10, "minute": 16}
